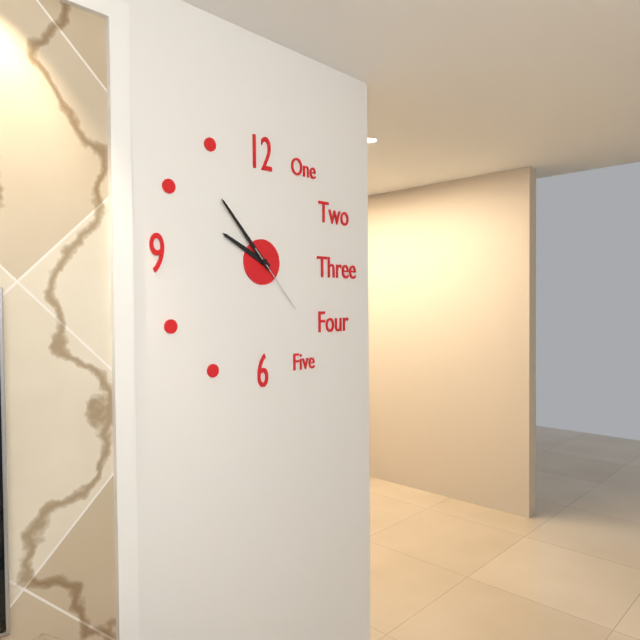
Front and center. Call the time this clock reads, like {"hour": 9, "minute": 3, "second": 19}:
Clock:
{"hour": 9, "minute": 53, "second": 23}
